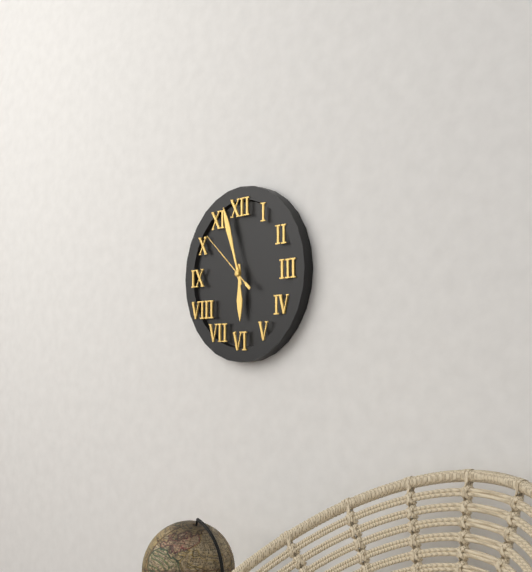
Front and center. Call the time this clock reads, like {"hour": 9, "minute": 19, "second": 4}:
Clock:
{"hour": 5, "minute": 57, "second": 52}
